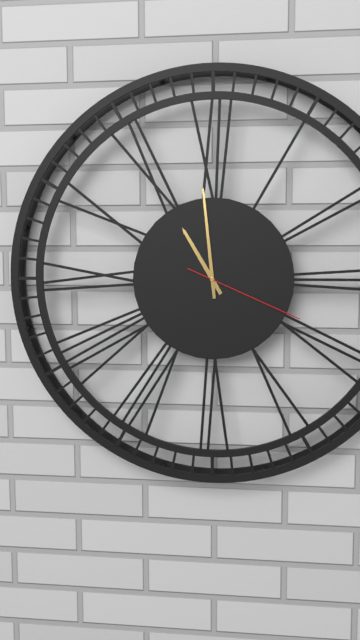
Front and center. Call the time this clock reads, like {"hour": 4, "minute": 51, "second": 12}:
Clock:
{"hour": 10, "minute": 59, "second": 19}
